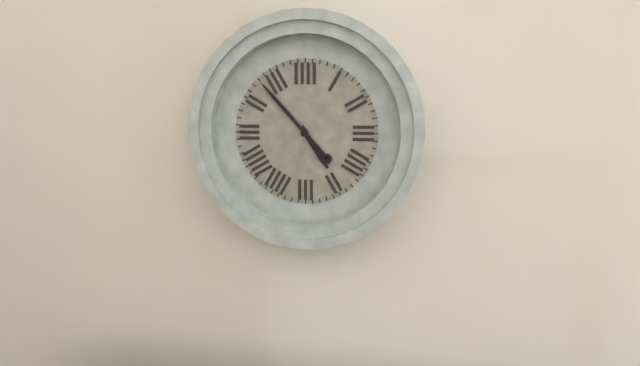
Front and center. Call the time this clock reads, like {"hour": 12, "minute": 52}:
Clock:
{"hour": 4, "minute": 53}
